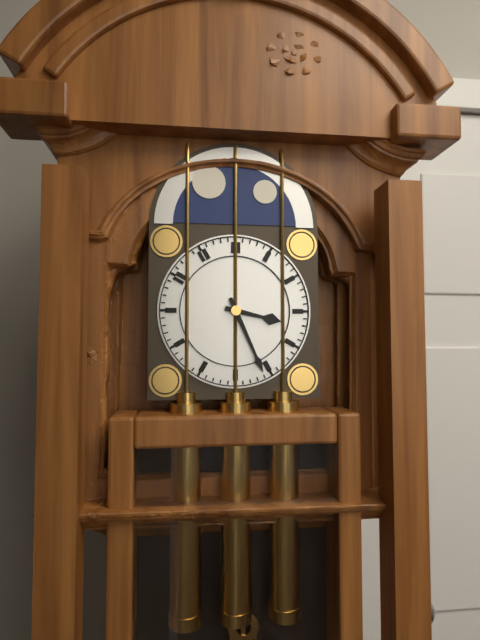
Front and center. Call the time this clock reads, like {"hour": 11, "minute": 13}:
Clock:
{"hour": 3, "minute": 26}
